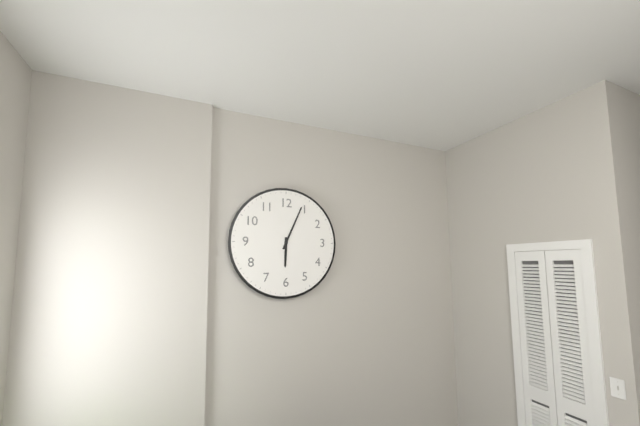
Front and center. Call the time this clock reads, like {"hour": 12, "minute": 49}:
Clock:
{"hour": 6, "minute": 4}
